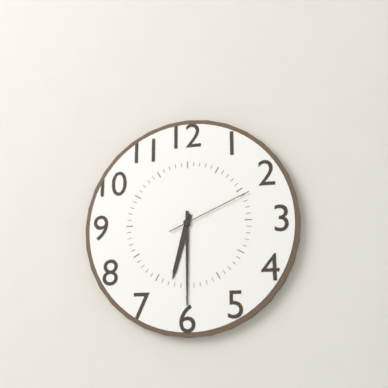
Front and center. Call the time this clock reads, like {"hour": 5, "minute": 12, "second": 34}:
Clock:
{"hour": 6, "minute": 30, "second": 11}
